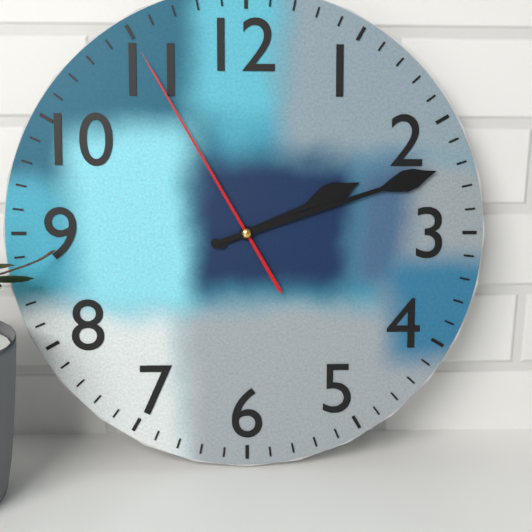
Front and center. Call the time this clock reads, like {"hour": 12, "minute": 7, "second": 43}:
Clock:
{"hour": 2, "minute": 12, "second": 55}
